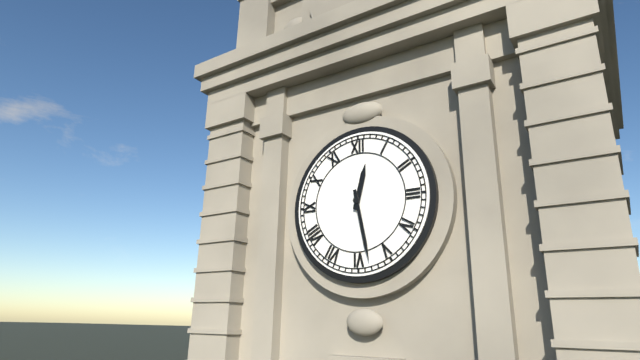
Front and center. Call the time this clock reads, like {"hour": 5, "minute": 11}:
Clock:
{"hour": 12, "minute": 28}
